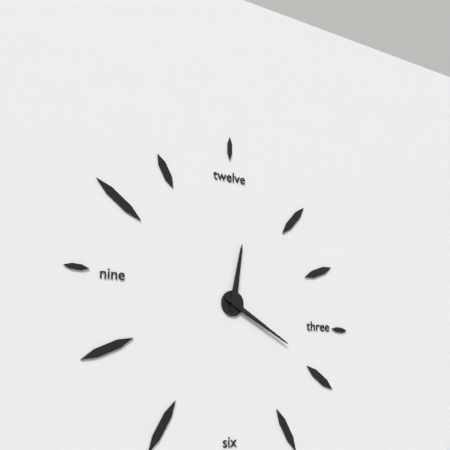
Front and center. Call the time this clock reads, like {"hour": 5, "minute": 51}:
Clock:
{"hour": 12, "minute": 20}
